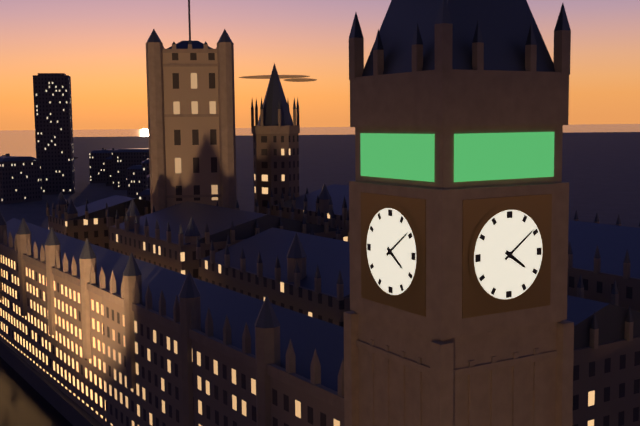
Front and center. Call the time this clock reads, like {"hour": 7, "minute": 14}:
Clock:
{"hour": 4, "minute": 9}
